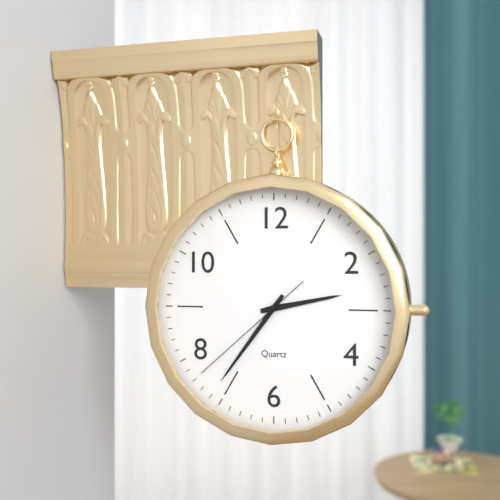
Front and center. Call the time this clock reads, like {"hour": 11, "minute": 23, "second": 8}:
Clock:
{"hour": 2, "minute": 36, "second": 38}
